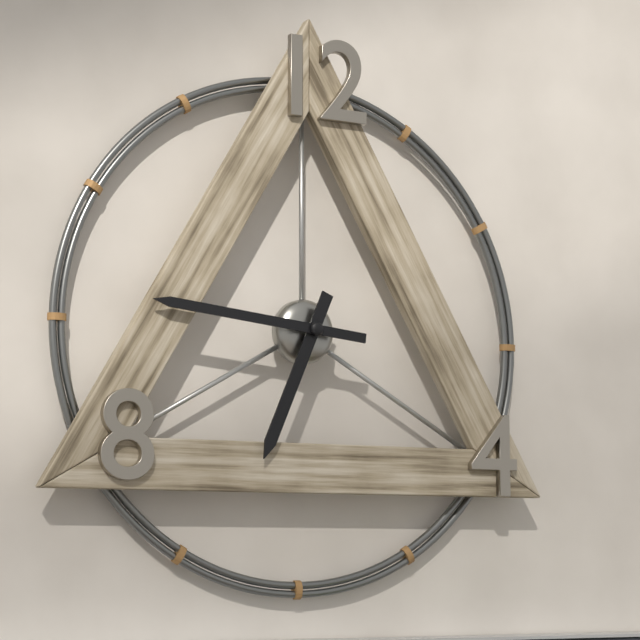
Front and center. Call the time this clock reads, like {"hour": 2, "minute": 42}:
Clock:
{"hour": 6, "minute": 46}
